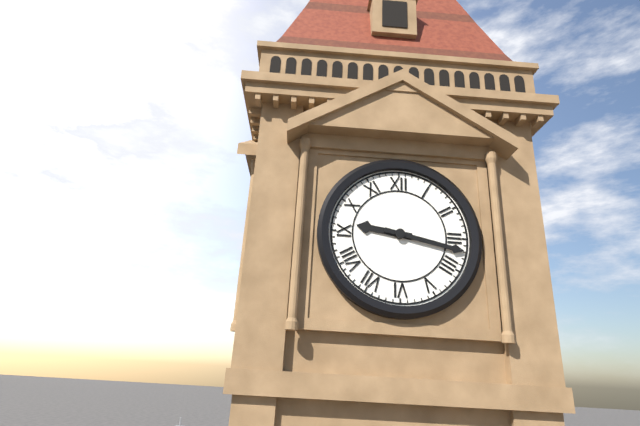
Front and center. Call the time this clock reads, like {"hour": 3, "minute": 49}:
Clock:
{"hour": 9, "minute": 17}
